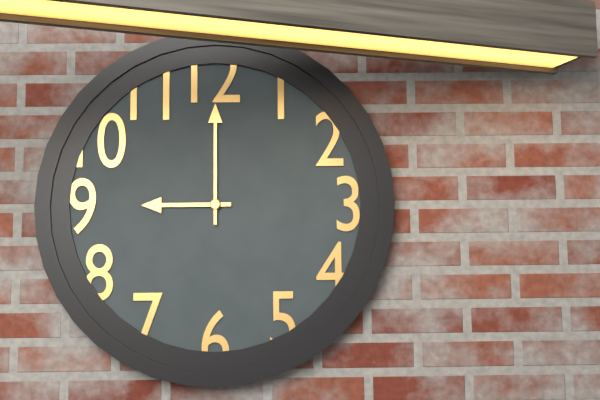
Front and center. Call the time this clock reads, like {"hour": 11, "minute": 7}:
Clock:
{"hour": 9, "minute": 0}
